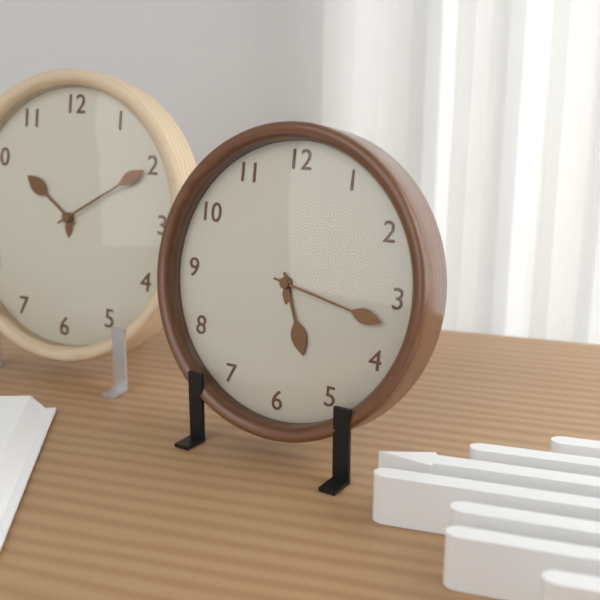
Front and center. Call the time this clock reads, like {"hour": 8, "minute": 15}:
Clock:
{"hour": 5, "minute": 17}
